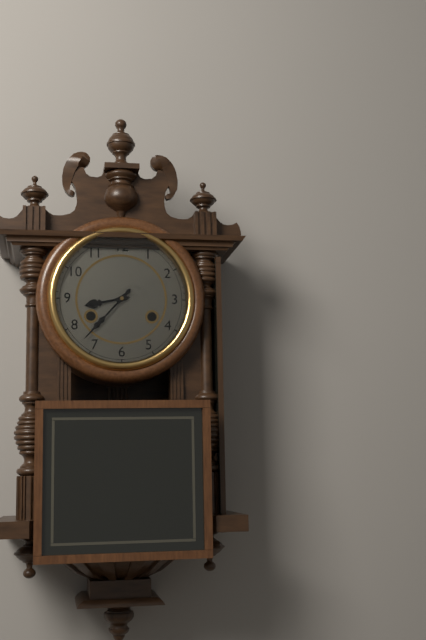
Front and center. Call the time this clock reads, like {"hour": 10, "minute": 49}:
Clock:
{"hour": 8, "minute": 37}
